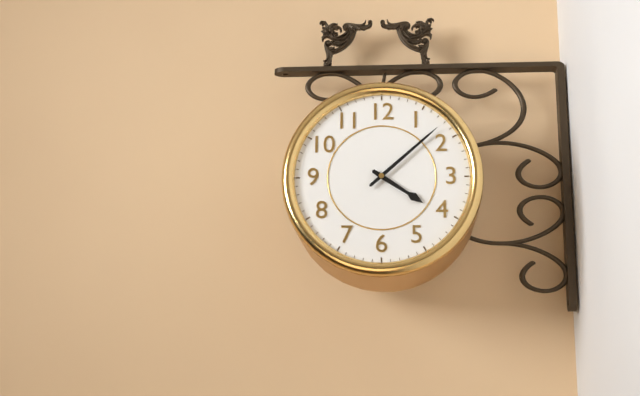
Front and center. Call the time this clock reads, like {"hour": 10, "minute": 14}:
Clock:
{"hour": 4, "minute": 8}
